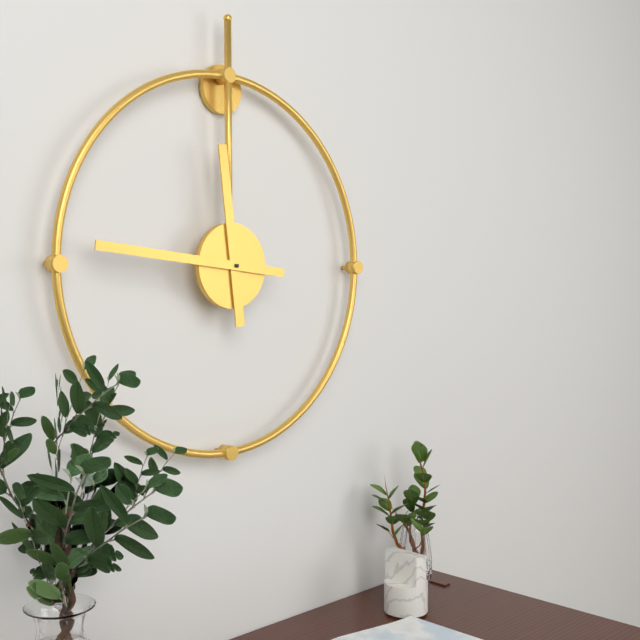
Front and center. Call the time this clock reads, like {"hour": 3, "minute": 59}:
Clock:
{"hour": 11, "minute": 46}
